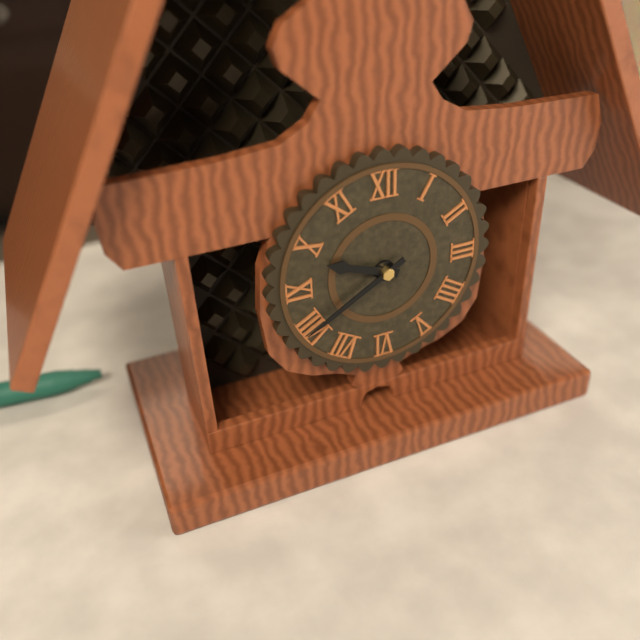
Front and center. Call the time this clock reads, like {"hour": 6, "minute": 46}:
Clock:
{"hour": 9, "minute": 40}
